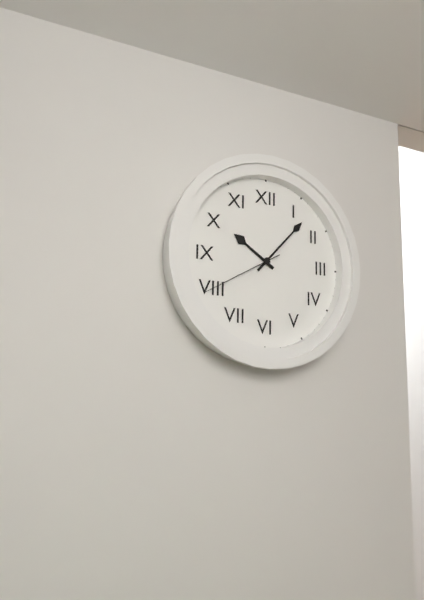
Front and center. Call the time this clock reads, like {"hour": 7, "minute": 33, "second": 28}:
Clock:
{"hour": 10, "minute": 7, "second": 40}
